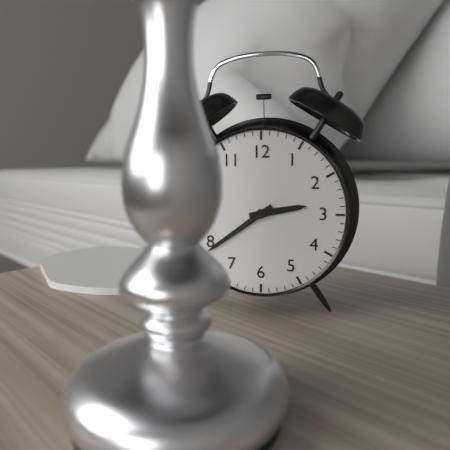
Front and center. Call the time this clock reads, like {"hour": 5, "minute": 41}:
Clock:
{"hour": 2, "minute": 39}
